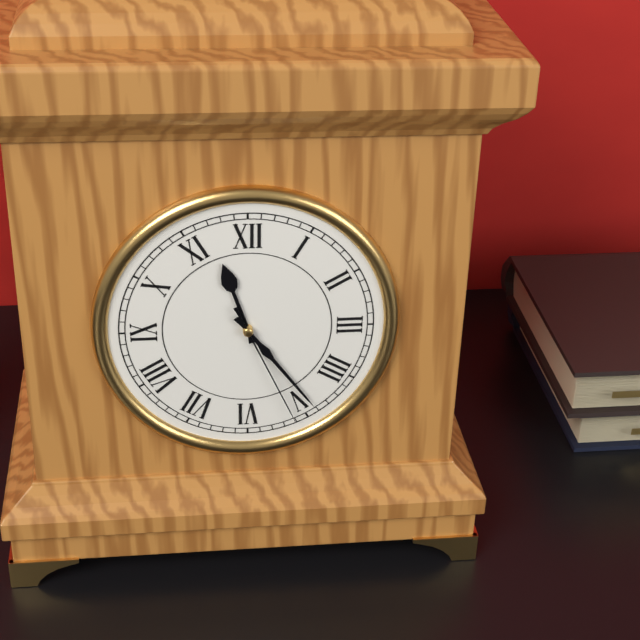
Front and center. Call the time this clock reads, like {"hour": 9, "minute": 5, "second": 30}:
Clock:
{"hour": 11, "minute": 24, "second": 26}
